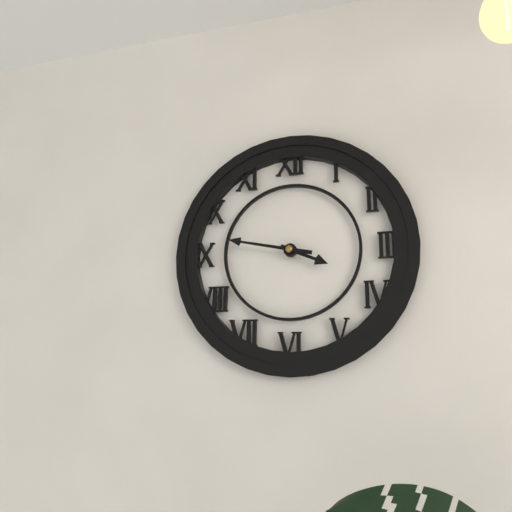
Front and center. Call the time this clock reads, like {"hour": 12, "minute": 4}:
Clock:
{"hour": 3, "minute": 47}
